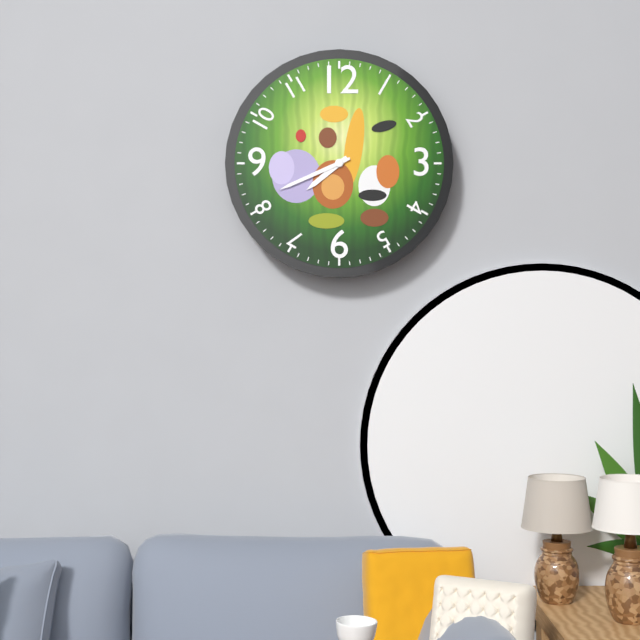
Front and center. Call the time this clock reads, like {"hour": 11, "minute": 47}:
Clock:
{"hour": 7, "minute": 41}
